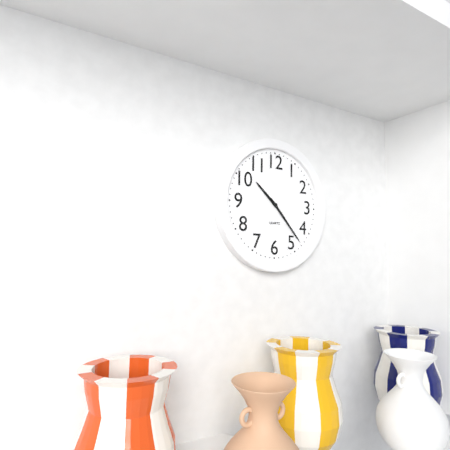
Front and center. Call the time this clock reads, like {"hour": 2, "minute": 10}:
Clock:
{"hour": 10, "minute": 23}
